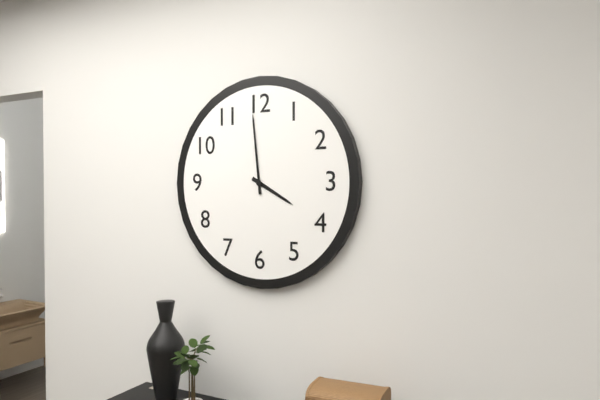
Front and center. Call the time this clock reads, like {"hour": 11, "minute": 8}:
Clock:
{"hour": 3, "minute": 59}
